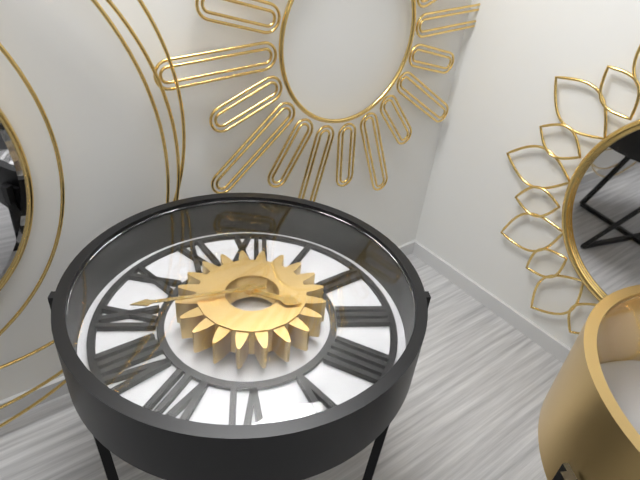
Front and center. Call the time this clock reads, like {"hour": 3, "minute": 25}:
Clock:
{"hour": 3, "minute": 43}
